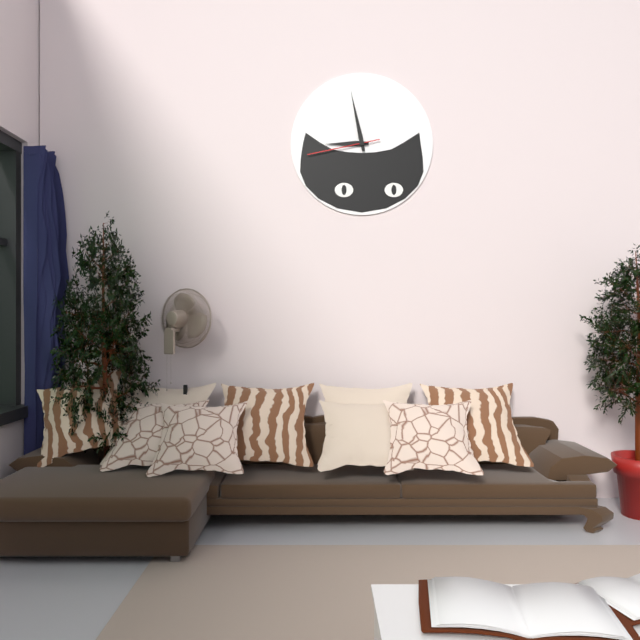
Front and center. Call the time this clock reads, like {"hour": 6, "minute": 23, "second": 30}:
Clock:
{"hour": 8, "minute": 58, "second": 43}
